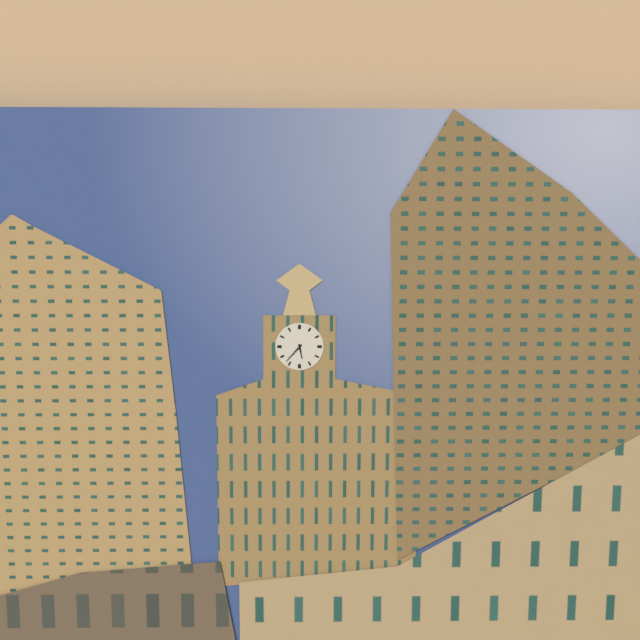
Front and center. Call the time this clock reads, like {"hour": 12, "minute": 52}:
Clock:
{"hour": 5, "minute": 37}
